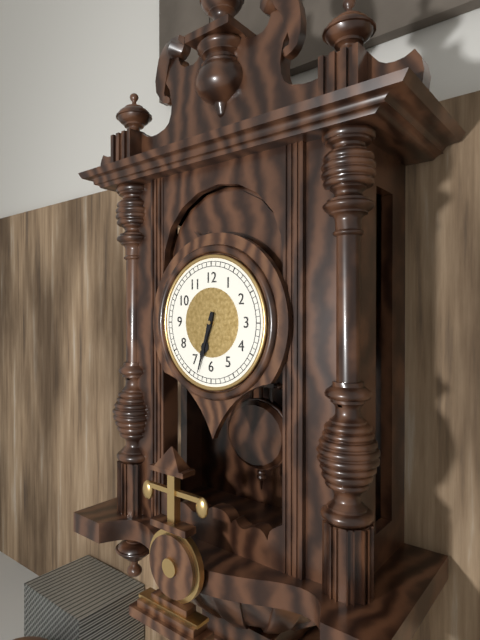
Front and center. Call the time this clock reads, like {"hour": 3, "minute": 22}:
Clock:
{"hour": 6, "minute": 33}
